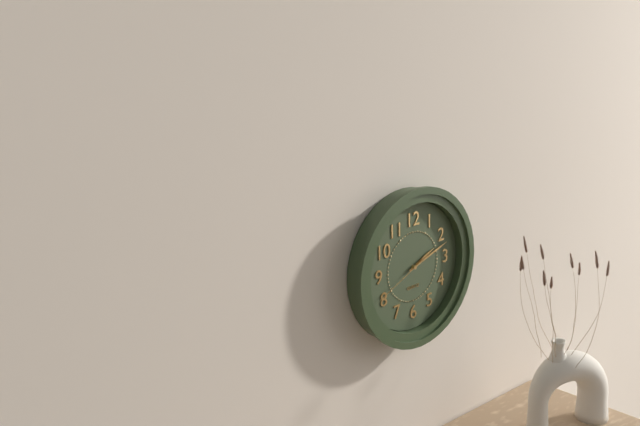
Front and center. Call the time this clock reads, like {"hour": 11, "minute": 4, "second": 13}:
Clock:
{"hour": 2, "minute": 12, "second": 41}
